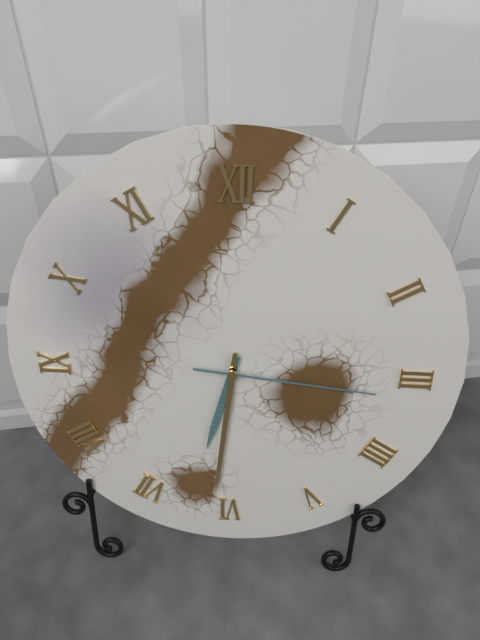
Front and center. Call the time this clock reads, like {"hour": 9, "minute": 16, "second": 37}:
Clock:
{"hour": 6, "minute": 31, "second": 16}
